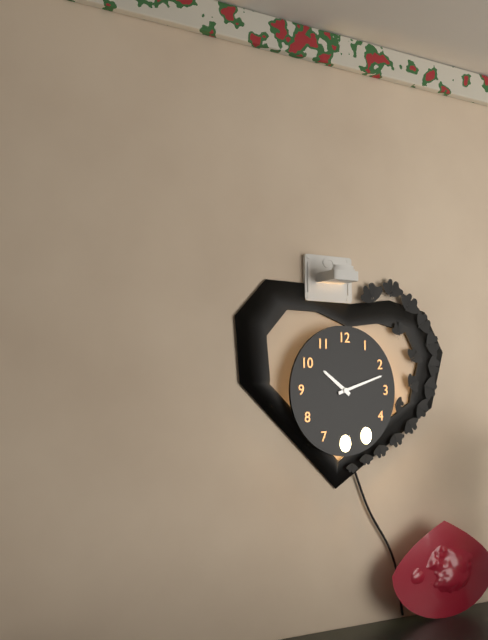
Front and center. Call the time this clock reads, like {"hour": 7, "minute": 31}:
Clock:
{"hour": 10, "minute": 12}
